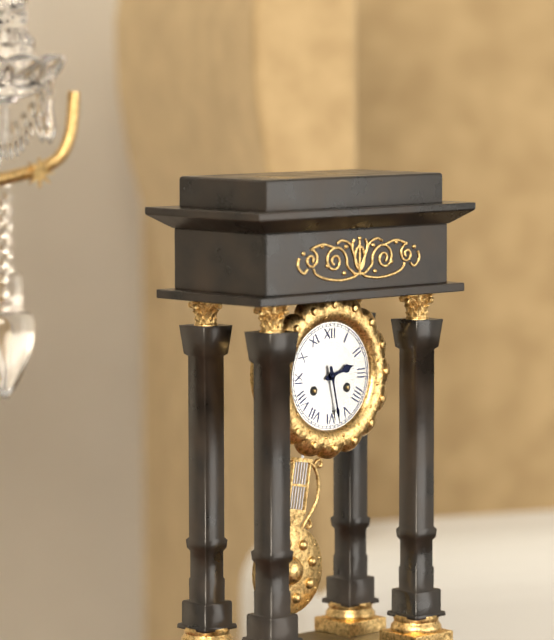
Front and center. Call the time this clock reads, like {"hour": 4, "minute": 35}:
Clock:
{"hour": 2, "minute": 28}
